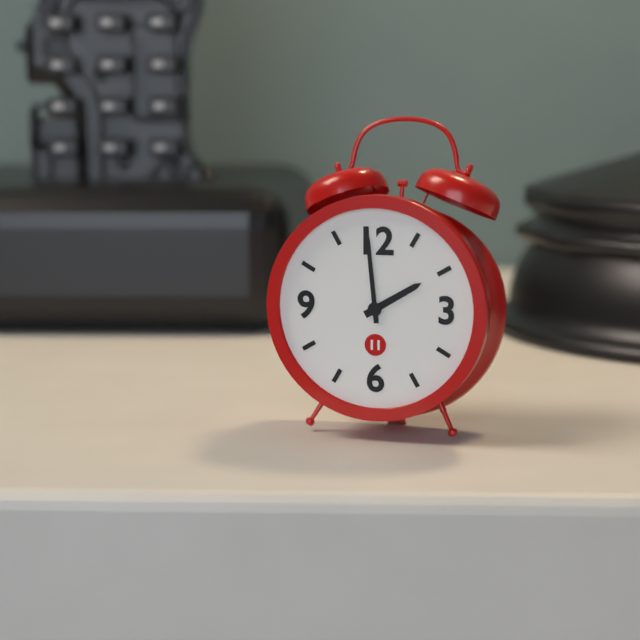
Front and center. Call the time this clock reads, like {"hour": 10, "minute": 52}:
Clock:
{"hour": 1, "minute": 59}
